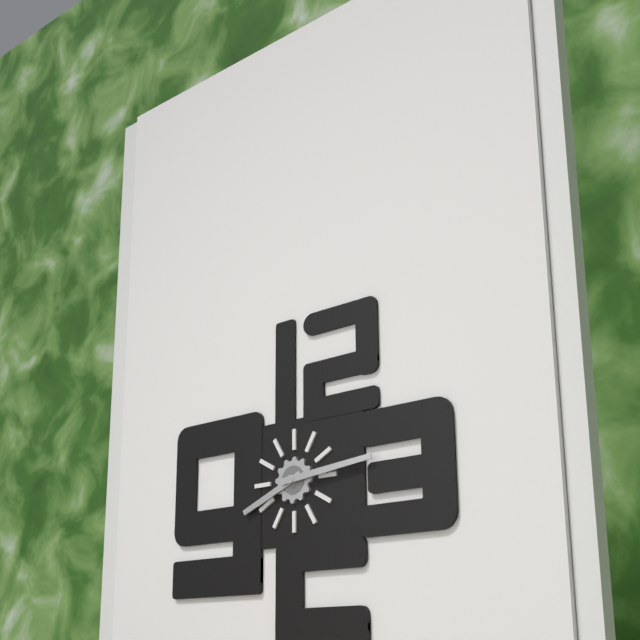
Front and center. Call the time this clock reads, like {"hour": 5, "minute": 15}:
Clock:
{"hour": 8, "minute": 14}
